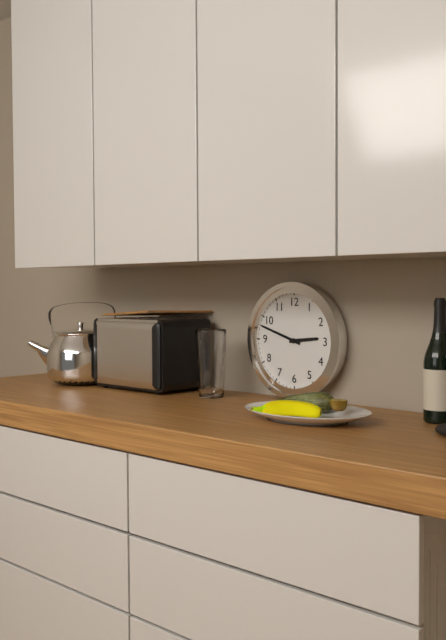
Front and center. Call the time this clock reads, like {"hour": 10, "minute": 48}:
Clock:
{"hour": 2, "minute": 48}
